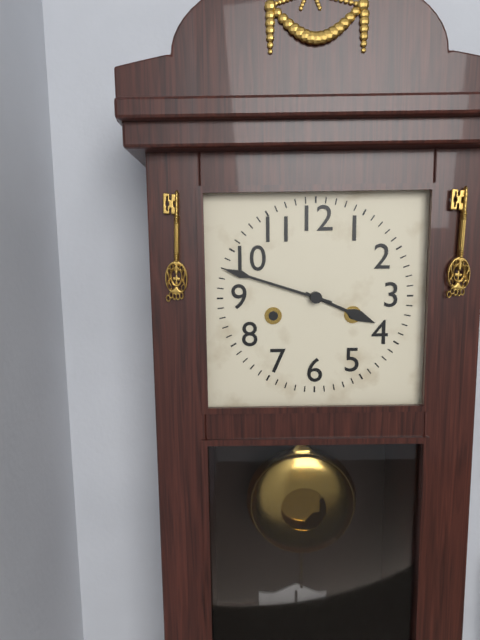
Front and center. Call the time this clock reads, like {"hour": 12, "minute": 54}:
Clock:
{"hour": 3, "minute": 48}
